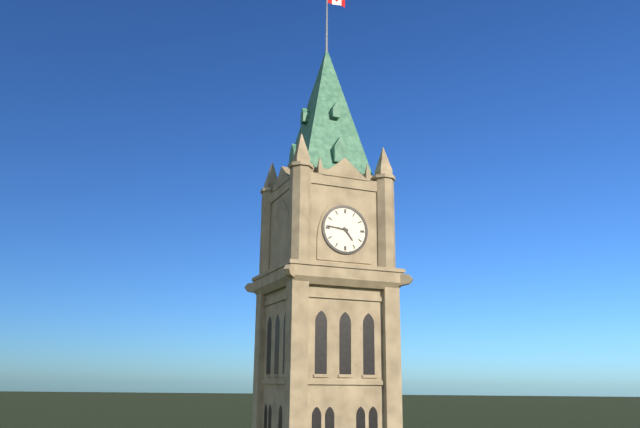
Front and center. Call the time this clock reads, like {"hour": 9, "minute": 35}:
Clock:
{"hour": 4, "minute": 46}
